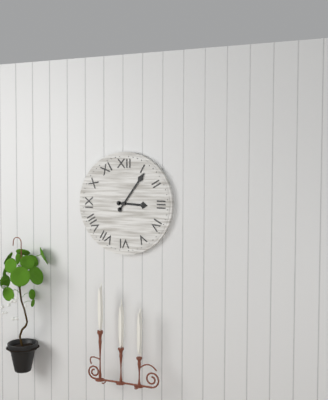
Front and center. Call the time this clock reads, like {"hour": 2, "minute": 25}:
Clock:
{"hour": 3, "minute": 6}
